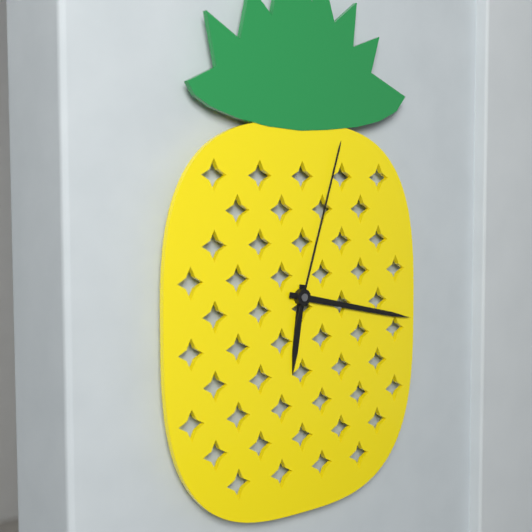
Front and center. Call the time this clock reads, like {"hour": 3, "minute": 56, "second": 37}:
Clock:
{"hour": 6, "minute": 17, "second": 3}
